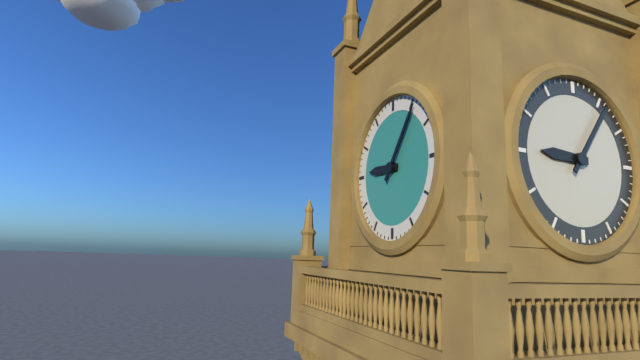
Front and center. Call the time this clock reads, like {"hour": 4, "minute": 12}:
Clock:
{"hour": 9, "minute": 6}
